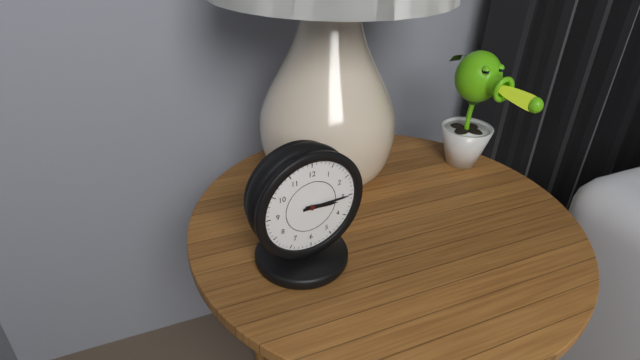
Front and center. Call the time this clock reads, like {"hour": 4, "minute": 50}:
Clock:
{"hour": 3, "minute": 15}
